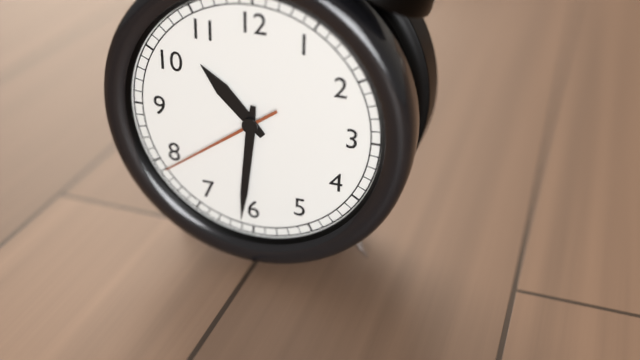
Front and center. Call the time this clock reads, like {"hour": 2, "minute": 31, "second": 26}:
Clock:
{"hour": 10, "minute": 31, "second": 39}
